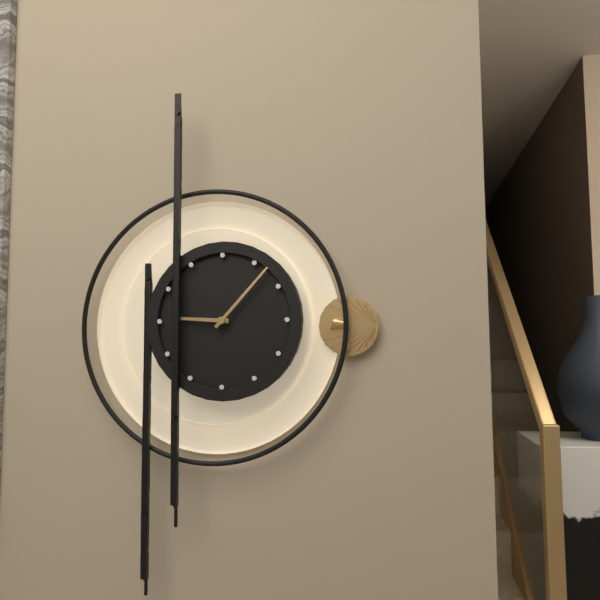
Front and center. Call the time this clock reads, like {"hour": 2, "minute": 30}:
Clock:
{"hour": 9, "minute": 7}
